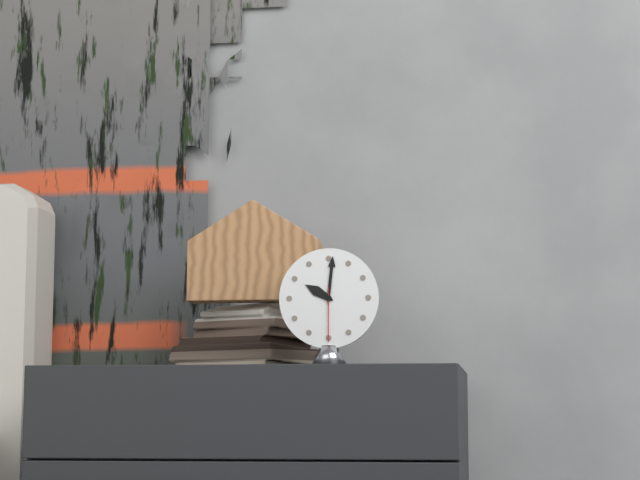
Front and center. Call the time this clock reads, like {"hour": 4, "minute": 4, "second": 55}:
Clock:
{"hour": 10, "minute": 1, "second": 30}
